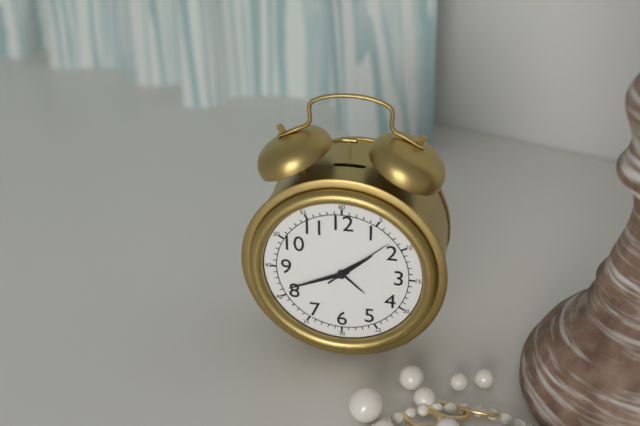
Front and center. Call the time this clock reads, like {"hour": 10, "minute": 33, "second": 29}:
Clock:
{"hour": 1, "minute": 41, "second": 8}
